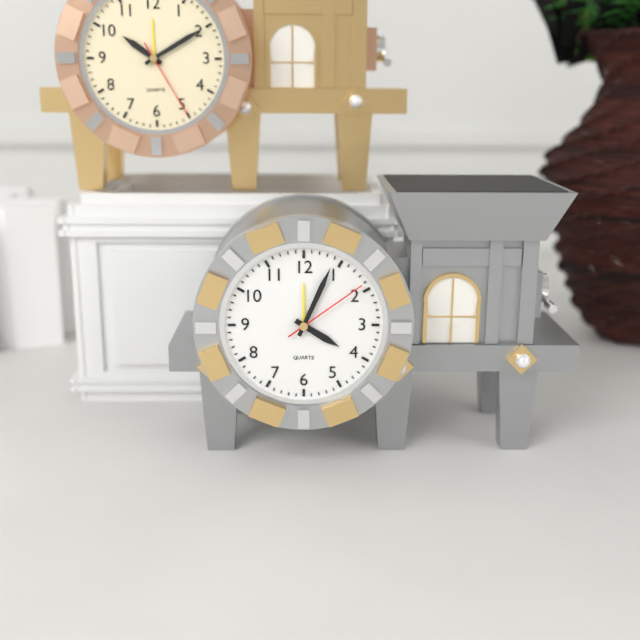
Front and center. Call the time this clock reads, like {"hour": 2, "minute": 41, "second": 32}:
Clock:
{"hour": 4, "minute": 4, "second": 9}
